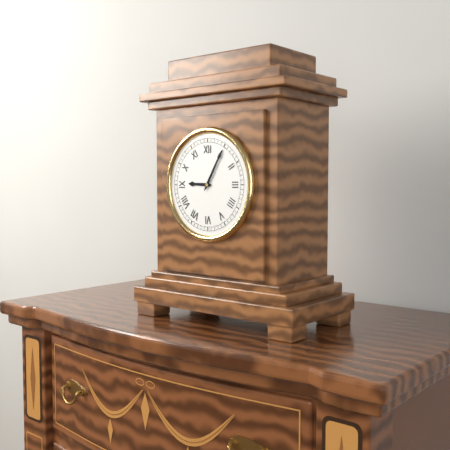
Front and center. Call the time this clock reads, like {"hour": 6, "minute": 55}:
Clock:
{"hour": 9, "minute": 5}
